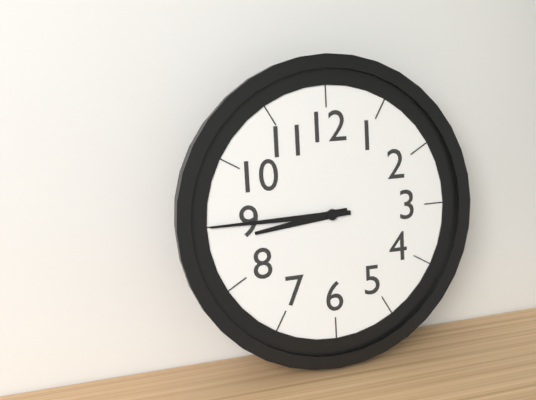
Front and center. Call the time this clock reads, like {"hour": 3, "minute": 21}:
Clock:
{"hour": 8, "minute": 45}
